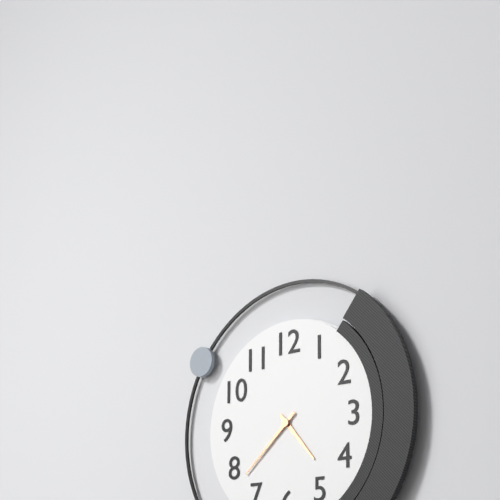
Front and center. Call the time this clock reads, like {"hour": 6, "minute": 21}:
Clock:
{"hour": 4, "minute": 38}
